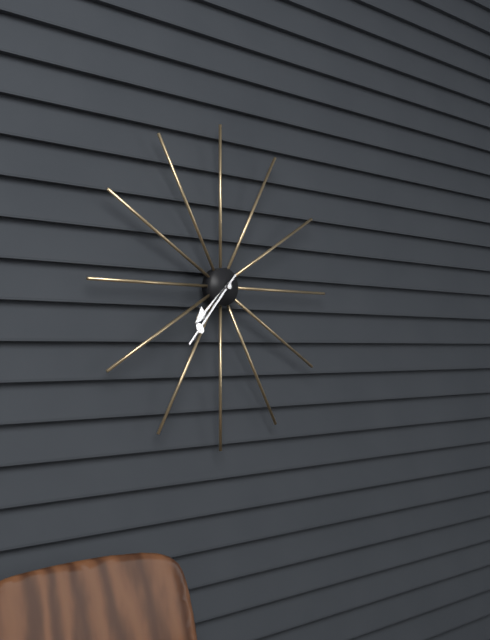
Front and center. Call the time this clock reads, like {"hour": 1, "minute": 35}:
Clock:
{"hour": 7, "minute": 37}
